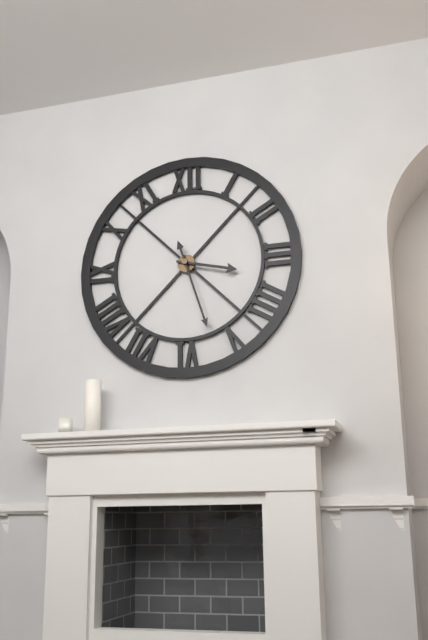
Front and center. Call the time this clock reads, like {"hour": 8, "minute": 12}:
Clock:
{"hour": 3, "minute": 27}
